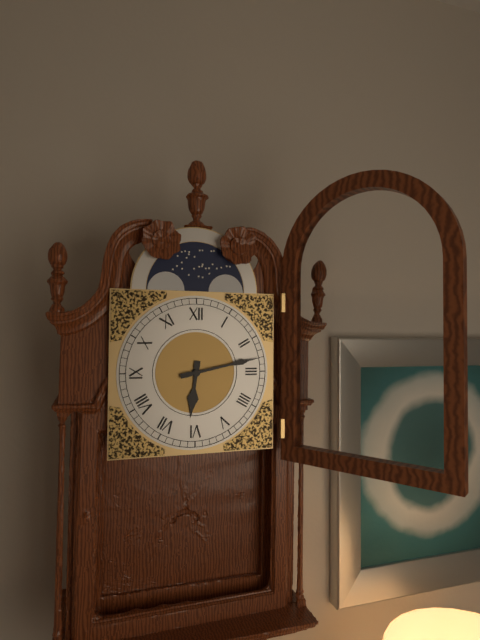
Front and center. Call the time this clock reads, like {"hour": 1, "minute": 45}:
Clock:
{"hour": 6, "minute": 13}
